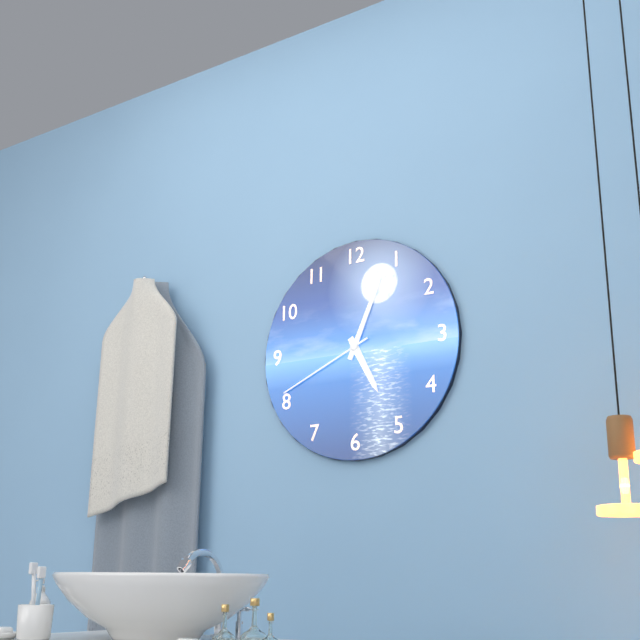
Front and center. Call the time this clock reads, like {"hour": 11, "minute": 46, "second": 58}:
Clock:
{"hour": 5, "minute": 4, "second": 41}
